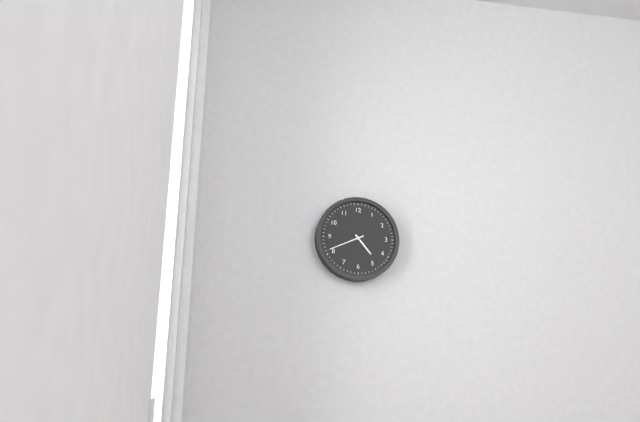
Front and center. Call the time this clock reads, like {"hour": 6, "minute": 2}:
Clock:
{"hour": 4, "minute": 41}
